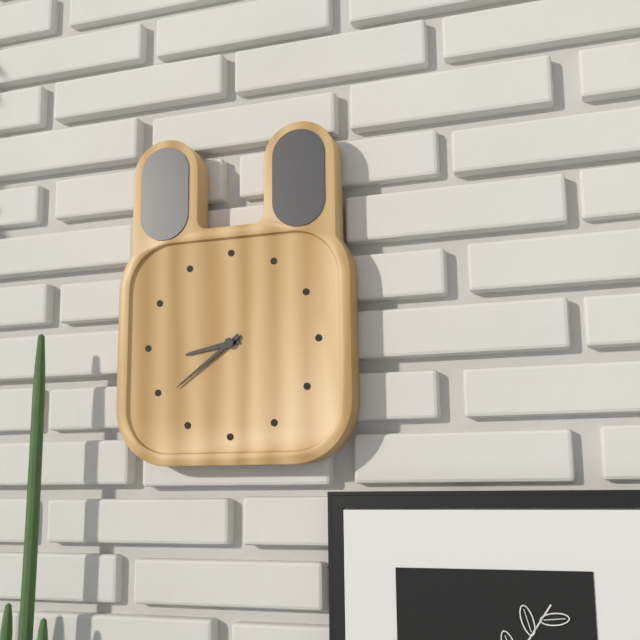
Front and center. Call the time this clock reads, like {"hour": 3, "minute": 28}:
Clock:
{"hour": 8, "minute": 39}
